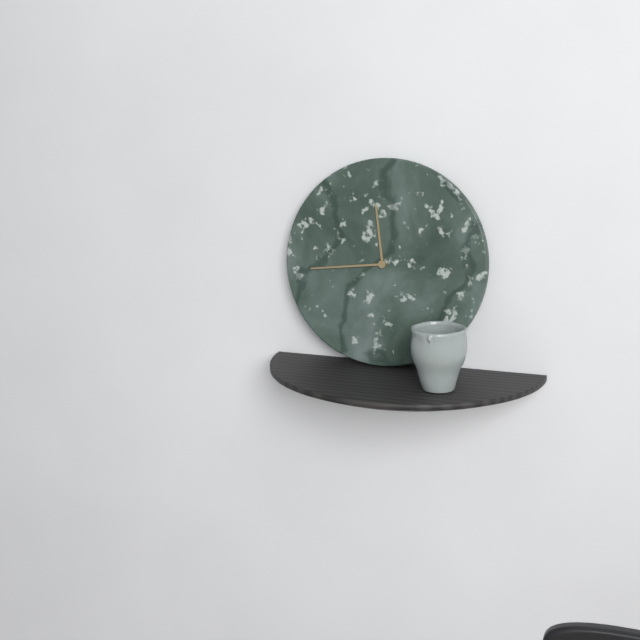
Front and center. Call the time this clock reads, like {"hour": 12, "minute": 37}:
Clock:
{"hour": 11, "minute": 44}
